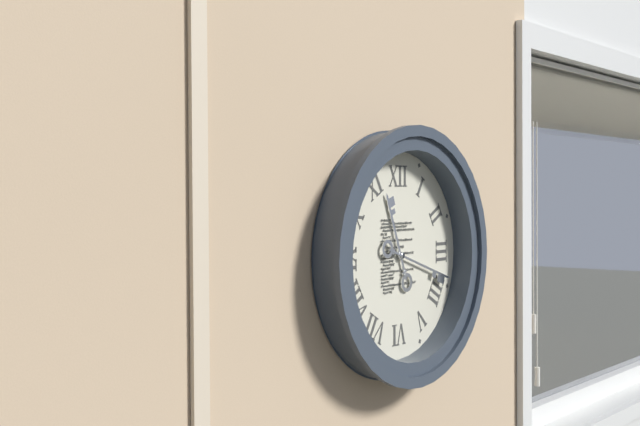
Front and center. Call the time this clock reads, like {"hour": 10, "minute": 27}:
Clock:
{"hour": 11, "minute": 18}
